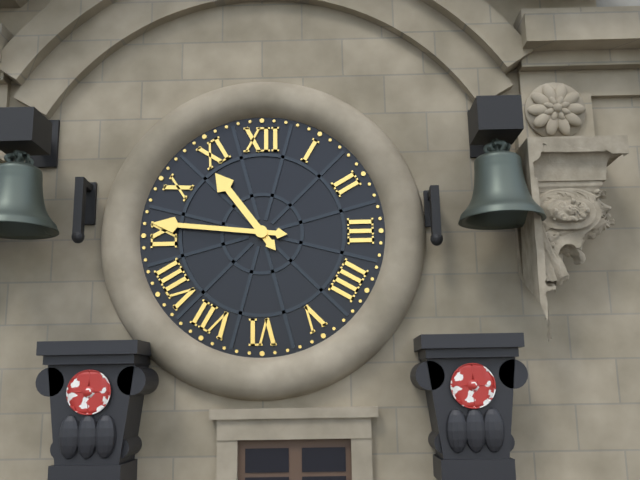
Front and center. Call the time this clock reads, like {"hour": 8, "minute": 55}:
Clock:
{"hour": 10, "minute": 46}
